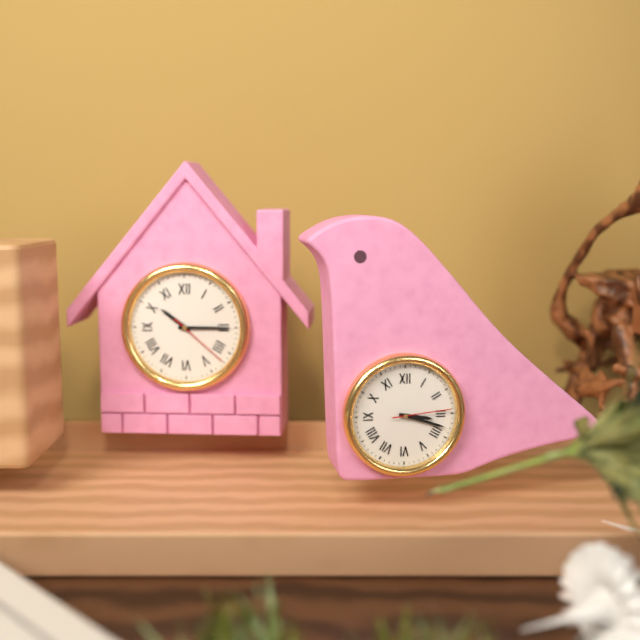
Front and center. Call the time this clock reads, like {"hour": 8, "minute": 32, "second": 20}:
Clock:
{"hour": 3, "minute": 18, "second": 14}
